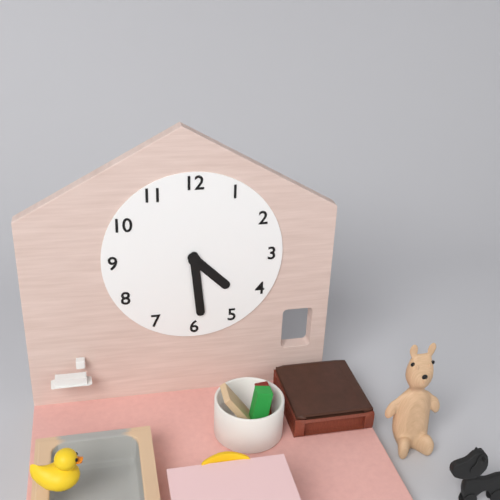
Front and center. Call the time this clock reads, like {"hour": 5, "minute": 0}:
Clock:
{"hour": 4, "minute": 29}
